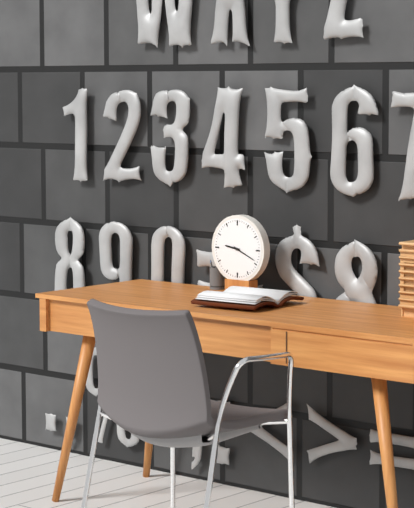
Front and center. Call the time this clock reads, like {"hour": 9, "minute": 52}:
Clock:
{"hour": 9, "minute": 19}
